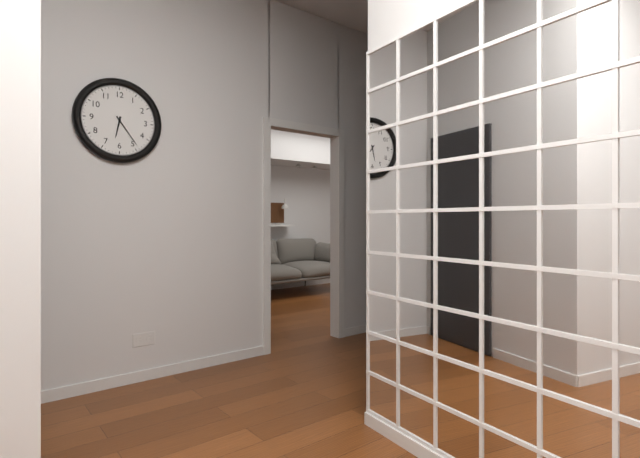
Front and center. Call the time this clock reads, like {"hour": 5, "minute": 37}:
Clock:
{"hour": 6, "minute": 24}
